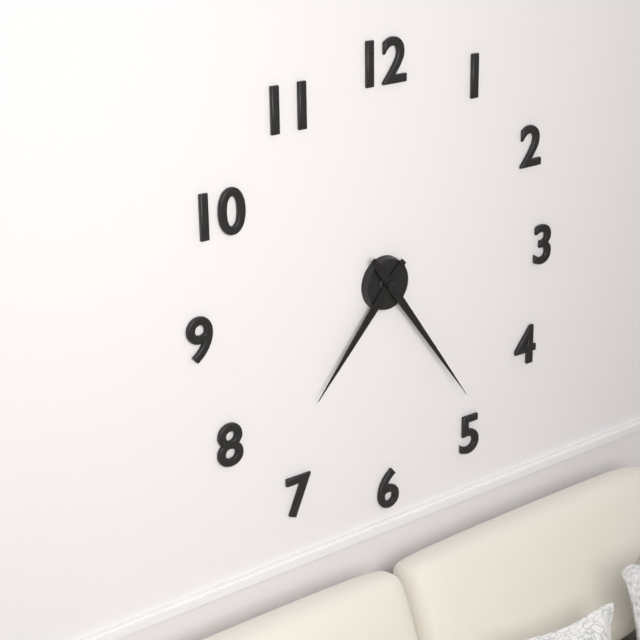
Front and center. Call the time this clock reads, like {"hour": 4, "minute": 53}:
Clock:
{"hour": 7, "minute": 24}
